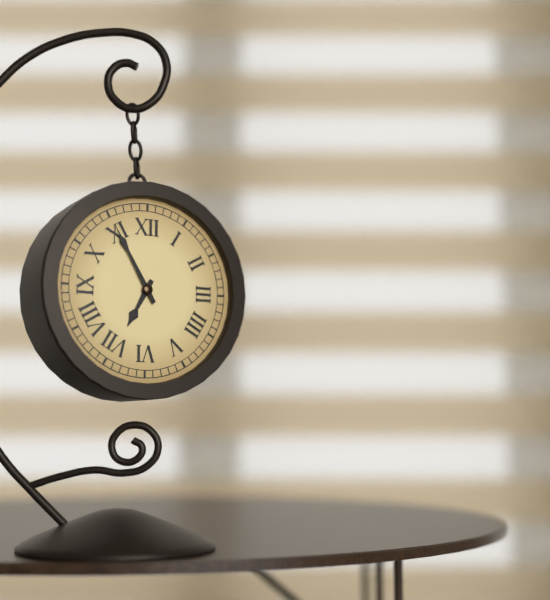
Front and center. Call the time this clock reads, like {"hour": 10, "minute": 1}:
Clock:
{"hour": 6, "minute": 55}
